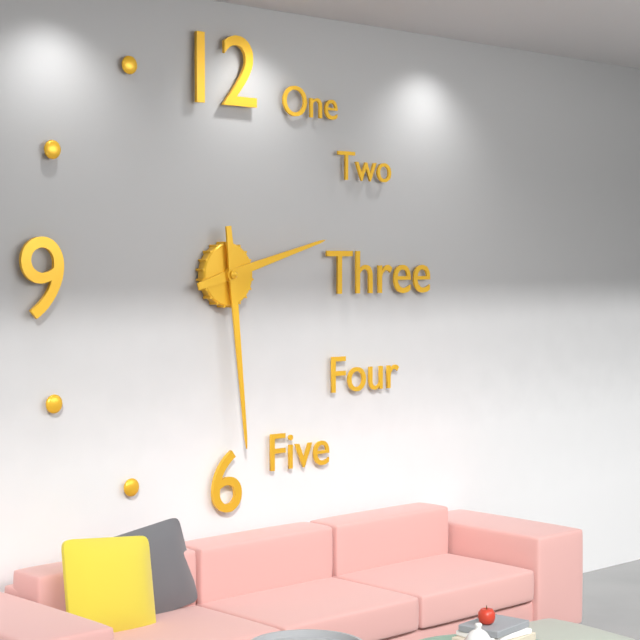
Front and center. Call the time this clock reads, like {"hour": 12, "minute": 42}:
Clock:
{"hour": 2, "minute": 29}
